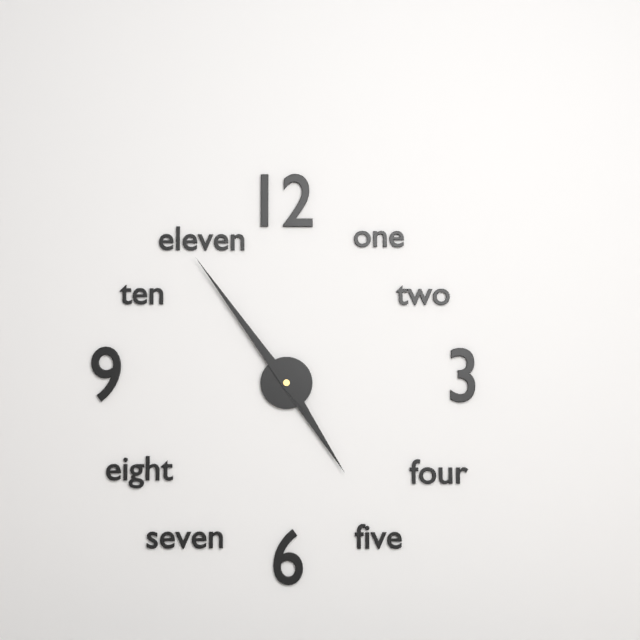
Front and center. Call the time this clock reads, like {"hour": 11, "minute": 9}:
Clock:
{"hour": 4, "minute": 54}
